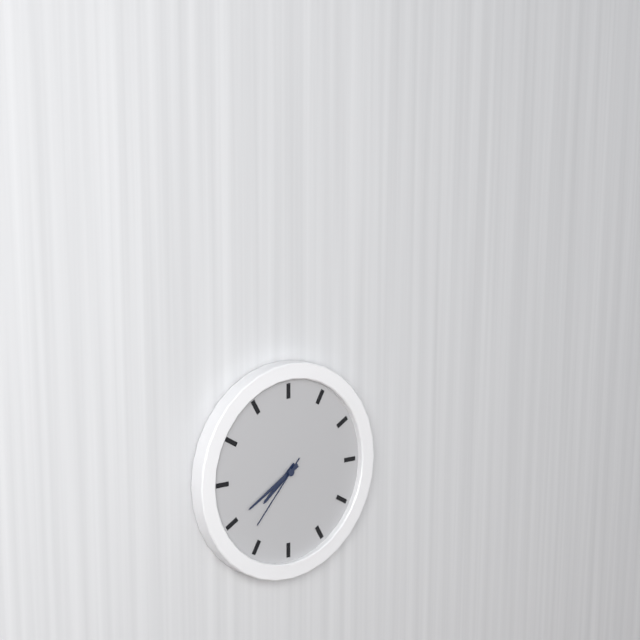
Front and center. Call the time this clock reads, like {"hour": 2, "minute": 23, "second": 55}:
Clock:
{"hour": 7, "minute": 40, "second": 37}
